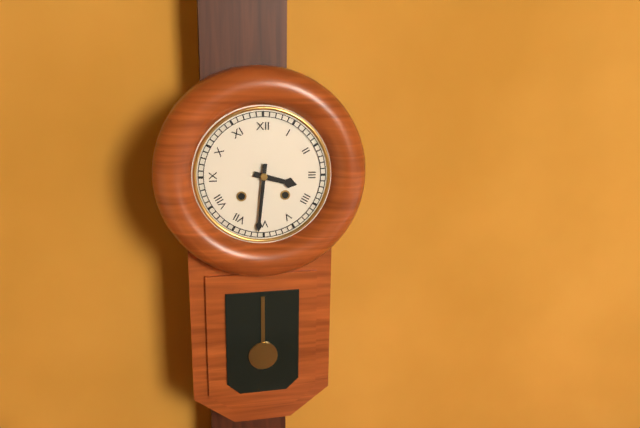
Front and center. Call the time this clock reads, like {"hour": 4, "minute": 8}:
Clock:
{"hour": 3, "minute": 31}
